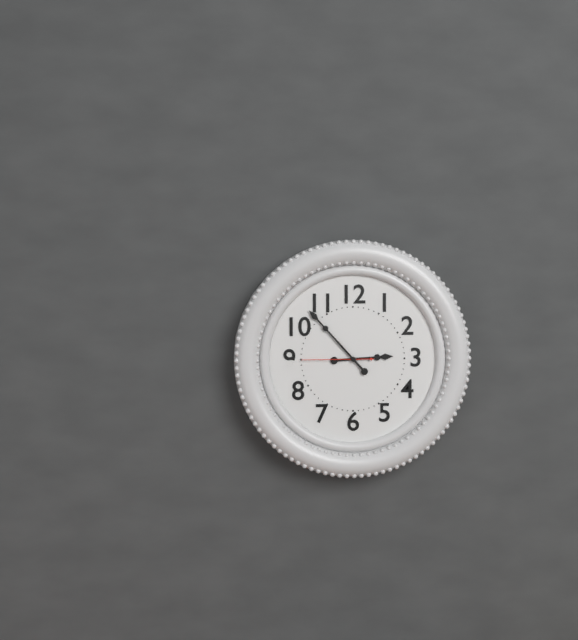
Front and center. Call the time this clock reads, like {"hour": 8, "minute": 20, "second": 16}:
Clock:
{"hour": 2, "minute": 53, "second": 45}
